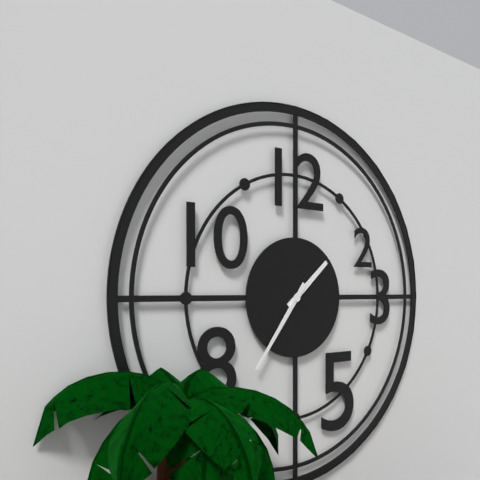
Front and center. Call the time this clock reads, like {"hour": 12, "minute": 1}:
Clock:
{"hour": 1, "minute": 36}
